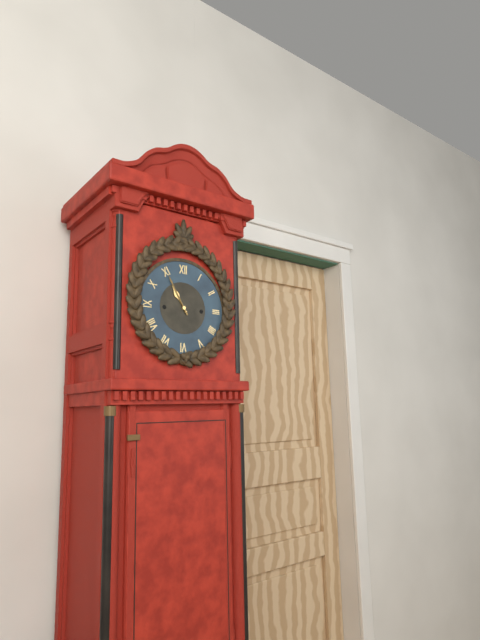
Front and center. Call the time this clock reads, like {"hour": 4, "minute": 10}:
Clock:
{"hour": 10, "minute": 55}
